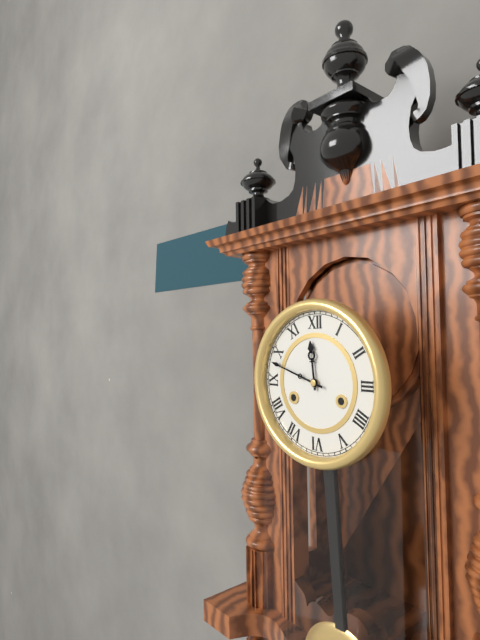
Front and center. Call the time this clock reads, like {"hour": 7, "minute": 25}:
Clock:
{"hour": 11, "minute": 48}
